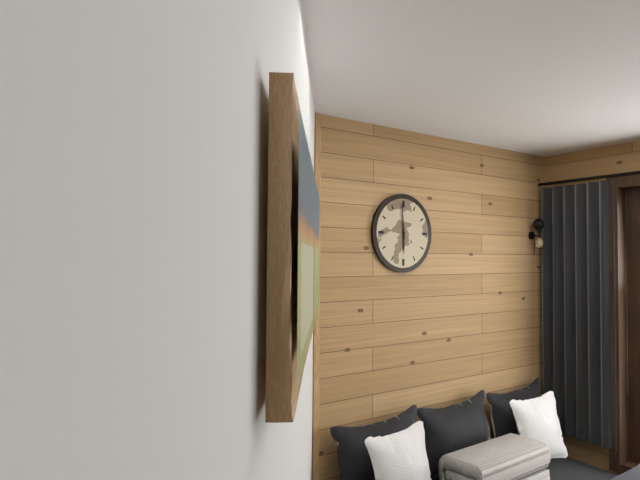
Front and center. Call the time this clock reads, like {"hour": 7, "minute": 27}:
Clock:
{"hour": 5, "minute": 59}
